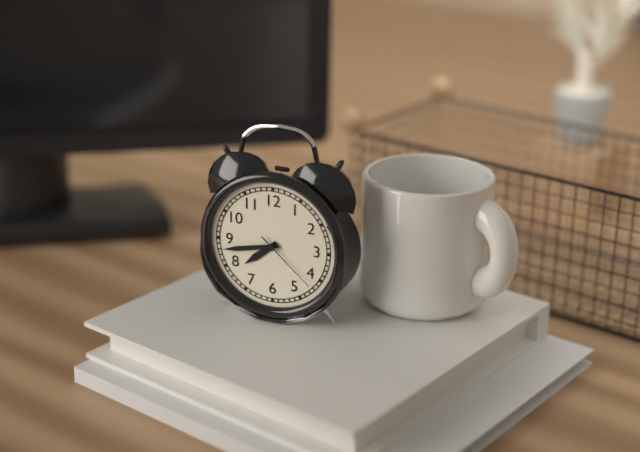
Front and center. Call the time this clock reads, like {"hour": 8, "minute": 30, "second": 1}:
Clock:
{"hour": 7, "minute": 43, "second": 22}
